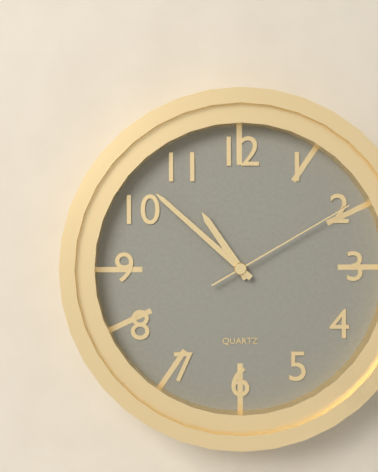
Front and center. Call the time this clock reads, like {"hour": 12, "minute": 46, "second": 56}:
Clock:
{"hour": 10, "minute": 52, "second": 10}
